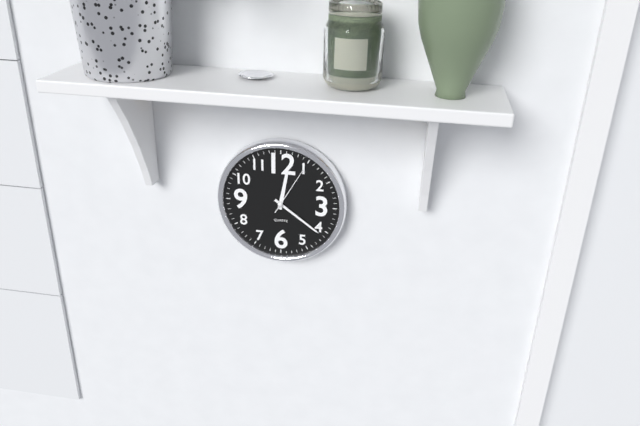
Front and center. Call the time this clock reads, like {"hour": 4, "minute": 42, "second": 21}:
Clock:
{"hour": 12, "minute": 21, "second": 5}
